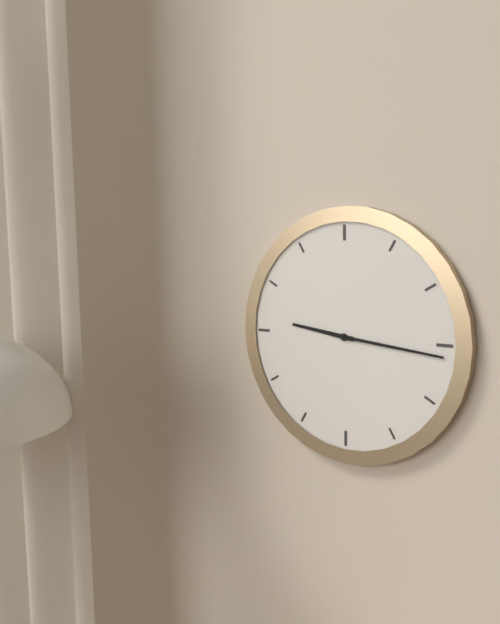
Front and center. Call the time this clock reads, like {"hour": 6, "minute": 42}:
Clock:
{"hour": 9, "minute": 16}
